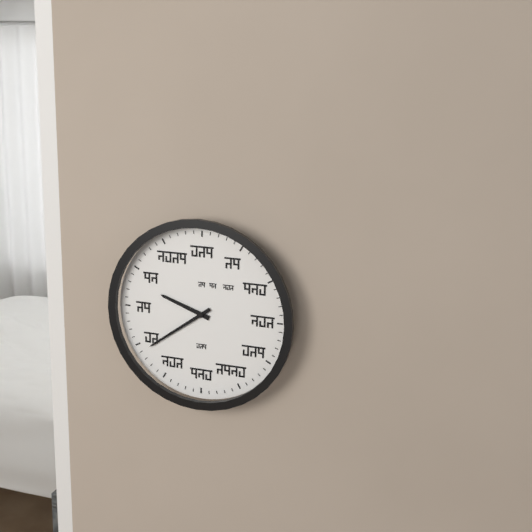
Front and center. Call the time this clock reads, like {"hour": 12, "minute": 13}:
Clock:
{"hour": 9, "minute": 39}
